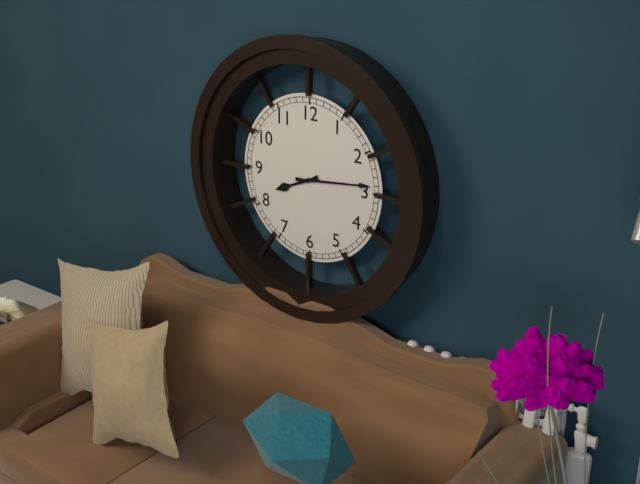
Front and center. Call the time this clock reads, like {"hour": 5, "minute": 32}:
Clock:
{"hour": 8, "minute": 14}
